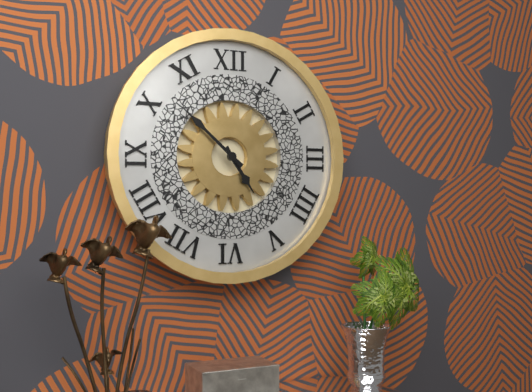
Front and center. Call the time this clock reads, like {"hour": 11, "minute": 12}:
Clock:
{"hour": 4, "minute": 52}
